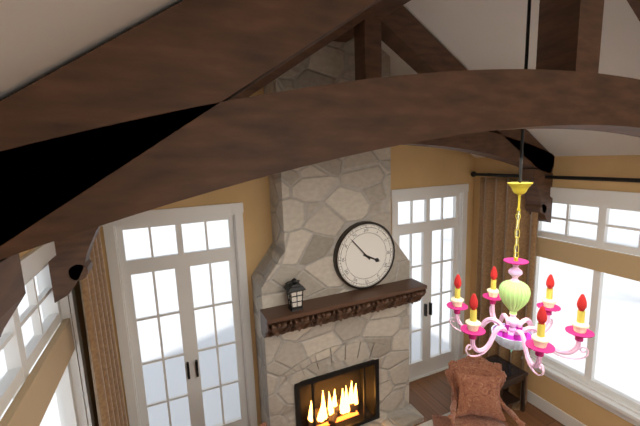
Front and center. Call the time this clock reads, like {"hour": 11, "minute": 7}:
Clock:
{"hour": 3, "minute": 53}
